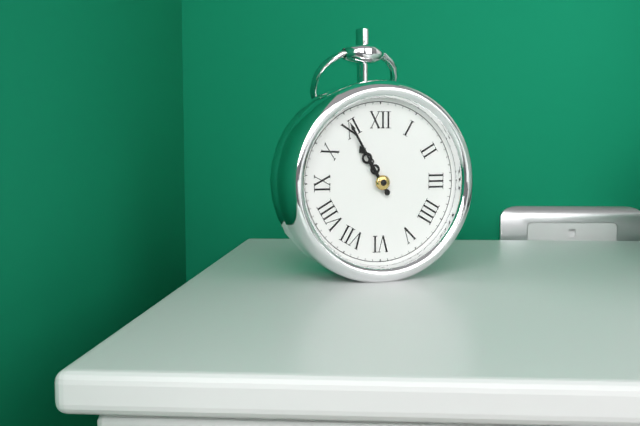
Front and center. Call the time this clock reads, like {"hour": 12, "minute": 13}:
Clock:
{"hour": 10, "minute": 55}
